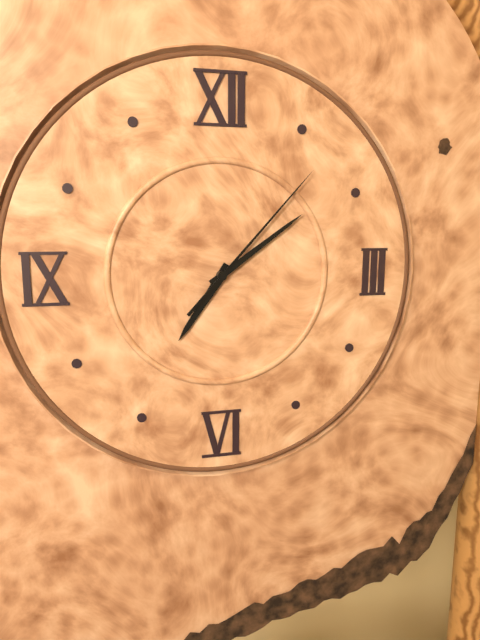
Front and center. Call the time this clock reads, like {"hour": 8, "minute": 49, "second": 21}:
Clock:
{"hour": 7, "minute": 9, "second": 7}
